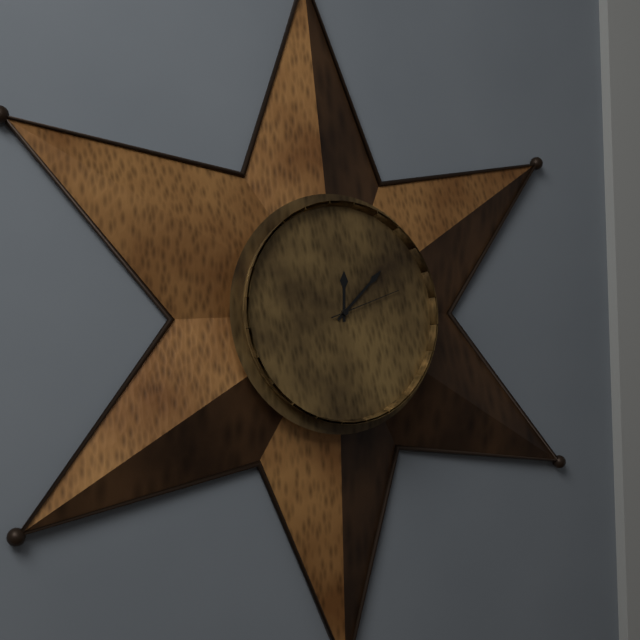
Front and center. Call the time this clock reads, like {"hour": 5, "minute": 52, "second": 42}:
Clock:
{"hour": 12, "minute": 8, "second": 12}
